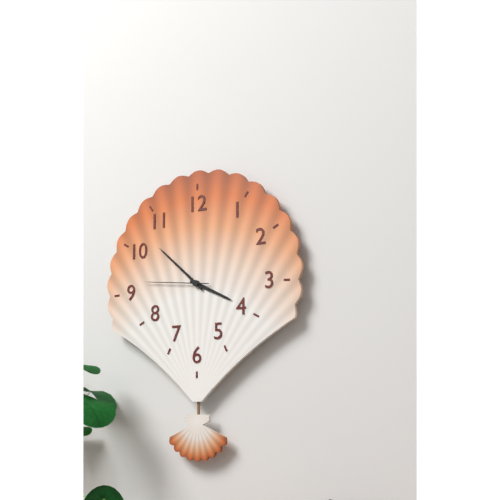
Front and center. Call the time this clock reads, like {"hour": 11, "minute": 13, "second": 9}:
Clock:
{"hour": 3, "minute": 52, "second": 46}
